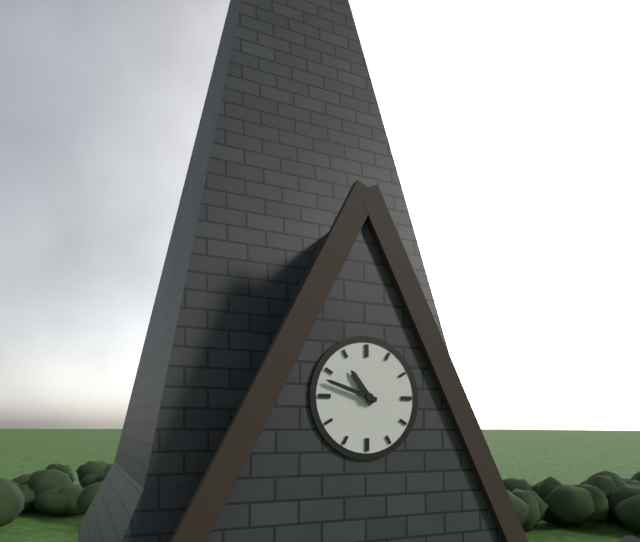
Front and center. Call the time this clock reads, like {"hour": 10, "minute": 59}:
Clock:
{"hour": 10, "minute": 48}
